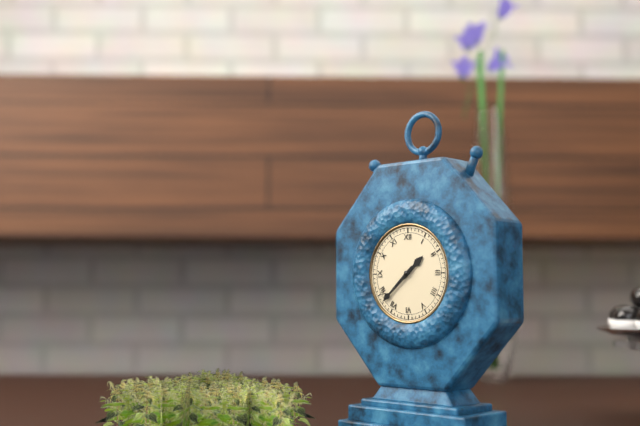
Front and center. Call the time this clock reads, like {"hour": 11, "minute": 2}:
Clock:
{"hour": 1, "minute": 38}
